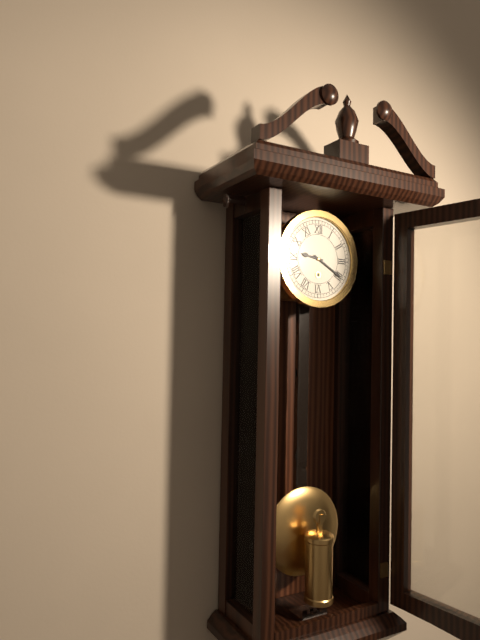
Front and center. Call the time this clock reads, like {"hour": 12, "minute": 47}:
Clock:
{"hour": 9, "minute": 20}
